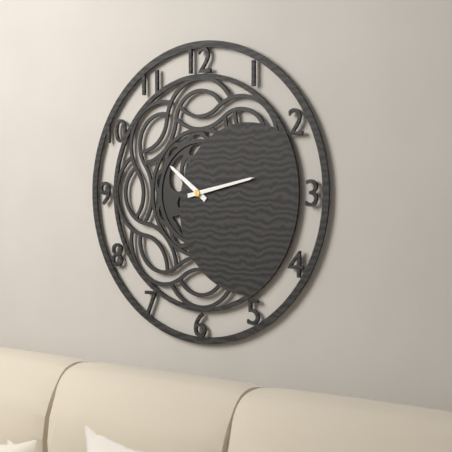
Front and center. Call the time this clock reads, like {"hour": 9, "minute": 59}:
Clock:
{"hour": 10, "minute": 13}
